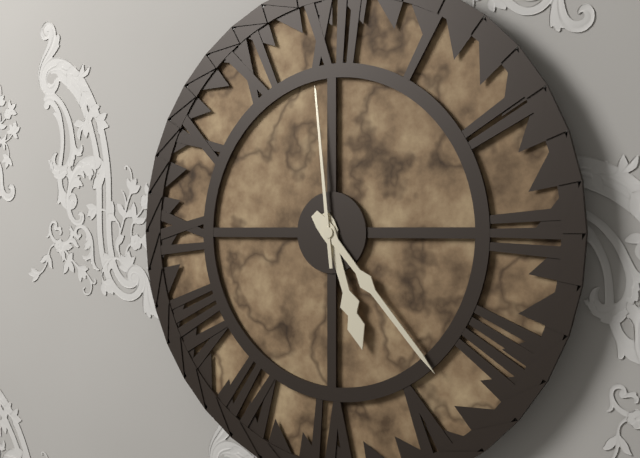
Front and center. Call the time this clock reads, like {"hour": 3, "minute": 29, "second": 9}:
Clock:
{"hour": 5, "minute": 23, "second": 59}
